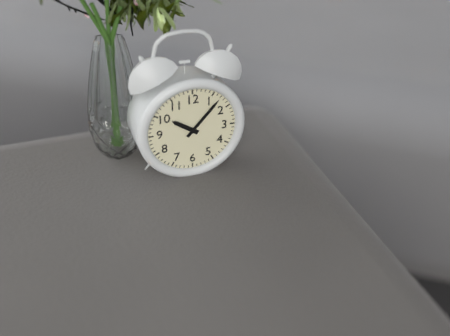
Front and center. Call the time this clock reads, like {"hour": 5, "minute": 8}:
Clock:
{"hour": 10, "minute": 7}
